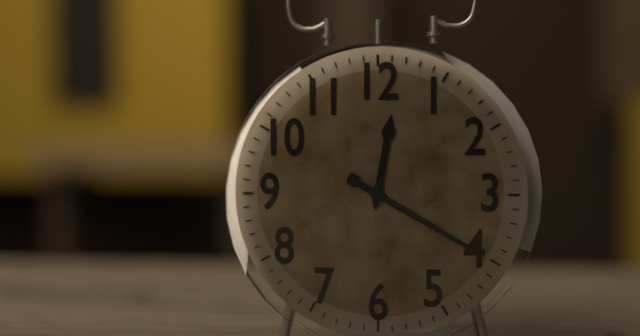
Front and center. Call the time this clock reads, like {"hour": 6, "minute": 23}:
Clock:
{"hour": 12, "minute": 20}
